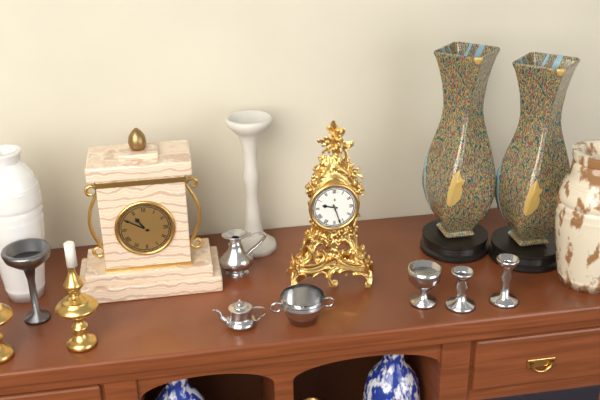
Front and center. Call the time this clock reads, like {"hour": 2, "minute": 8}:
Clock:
{"hour": 9, "minute": 27}
